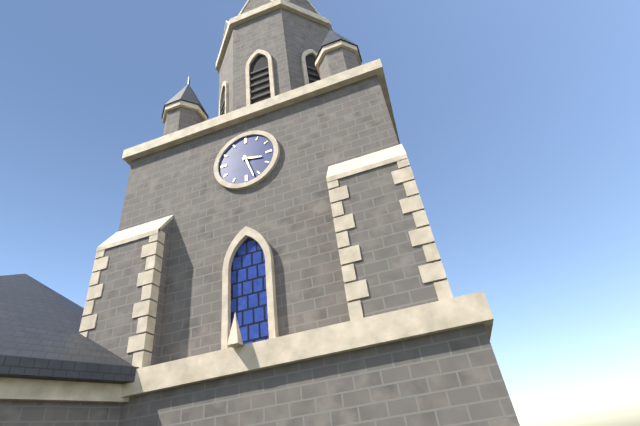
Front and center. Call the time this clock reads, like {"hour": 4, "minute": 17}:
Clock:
{"hour": 3, "minute": 27}
